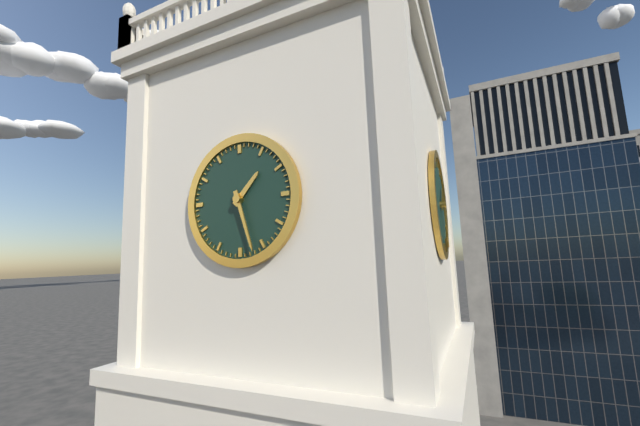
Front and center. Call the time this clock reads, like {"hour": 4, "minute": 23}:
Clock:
{"hour": 1, "minute": 27}
